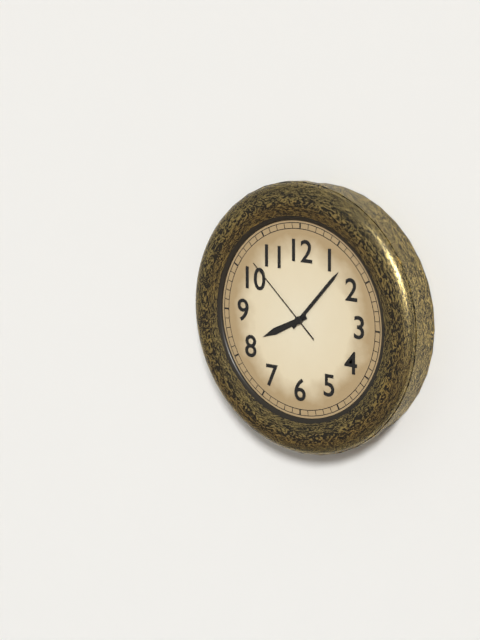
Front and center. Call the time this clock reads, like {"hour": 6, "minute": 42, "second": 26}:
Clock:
{"hour": 8, "minute": 7, "second": 52}
